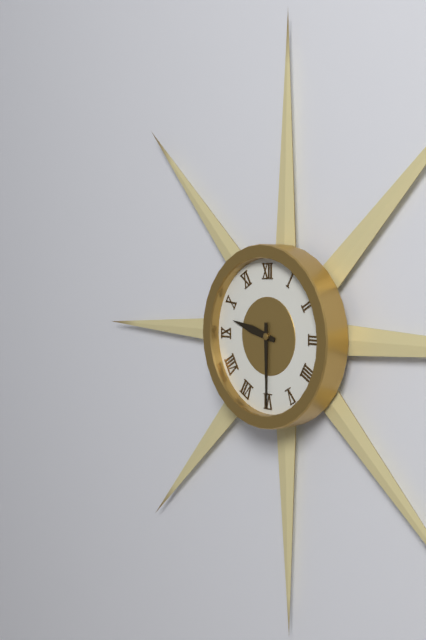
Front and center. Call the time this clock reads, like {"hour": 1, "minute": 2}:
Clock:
{"hour": 9, "minute": 30}
